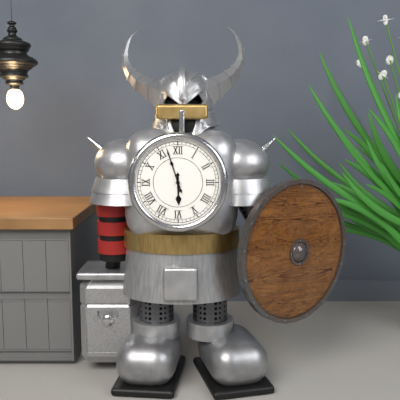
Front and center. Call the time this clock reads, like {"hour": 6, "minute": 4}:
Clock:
{"hour": 5, "minute": 57}
